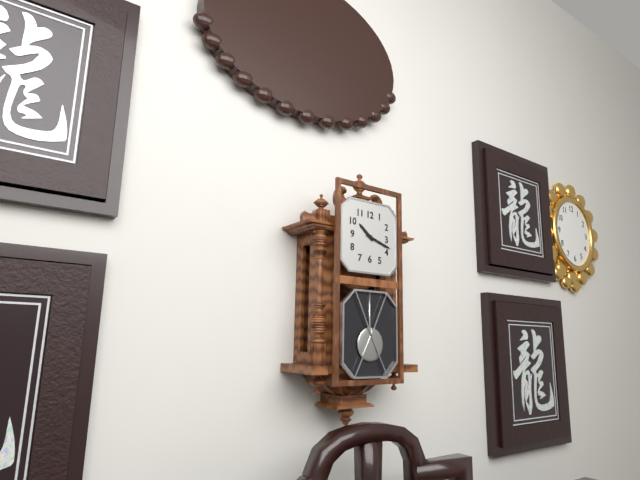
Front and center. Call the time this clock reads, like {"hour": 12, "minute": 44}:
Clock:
{"hour": 10, "minute": 18}
